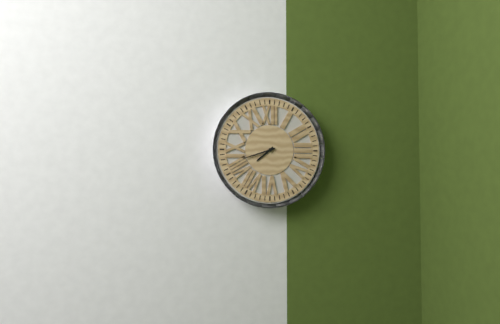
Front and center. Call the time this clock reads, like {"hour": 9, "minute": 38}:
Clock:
{"hour": 7, "minute": 42}
